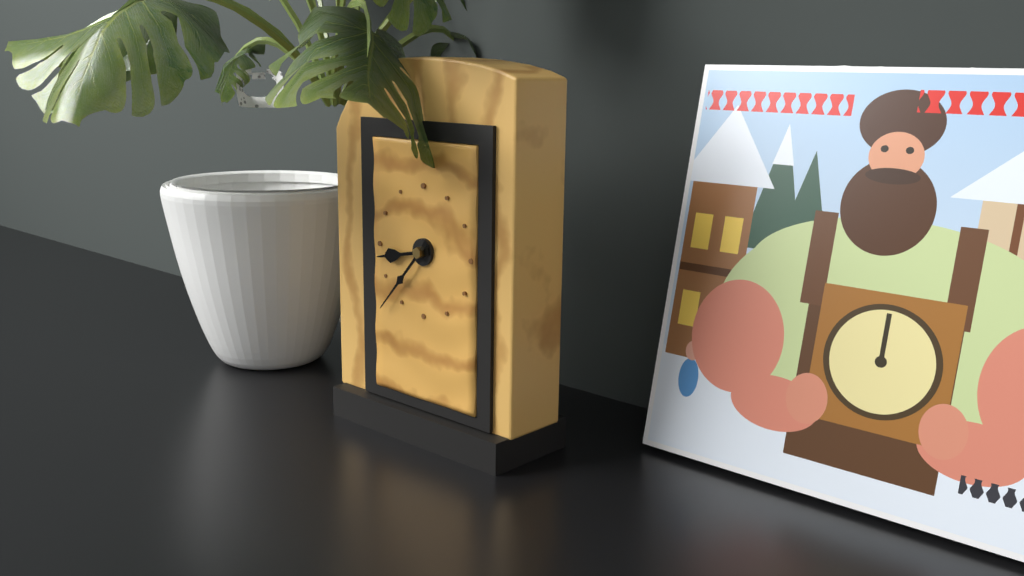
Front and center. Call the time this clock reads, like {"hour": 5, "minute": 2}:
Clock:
{"hour": 8, "minute": 37}
